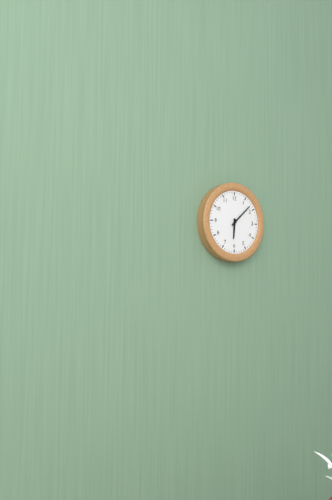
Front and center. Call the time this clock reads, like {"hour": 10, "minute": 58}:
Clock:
{"hour": 6, "minute": 8}
